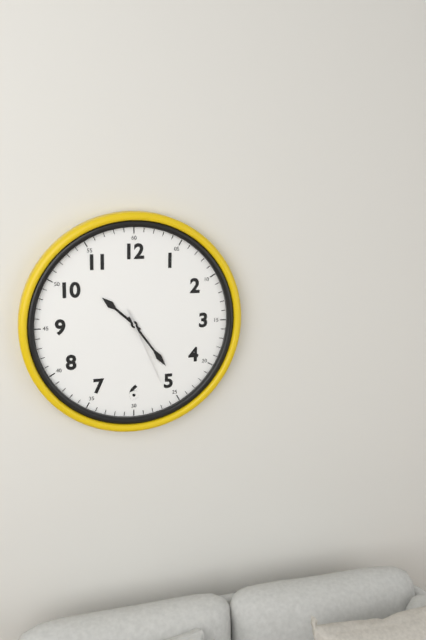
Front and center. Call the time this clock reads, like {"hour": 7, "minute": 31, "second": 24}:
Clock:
{"hour": 10, "minute": 24, "second": 26}
